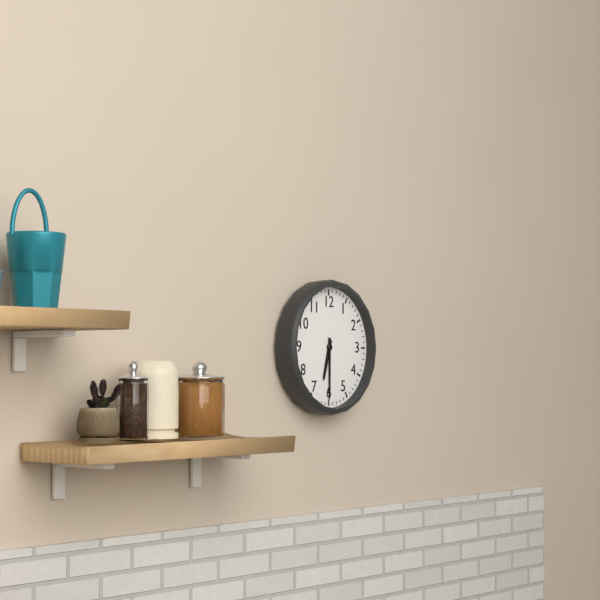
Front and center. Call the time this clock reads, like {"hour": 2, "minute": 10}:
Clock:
{"hour": 6, "minute": 30}
